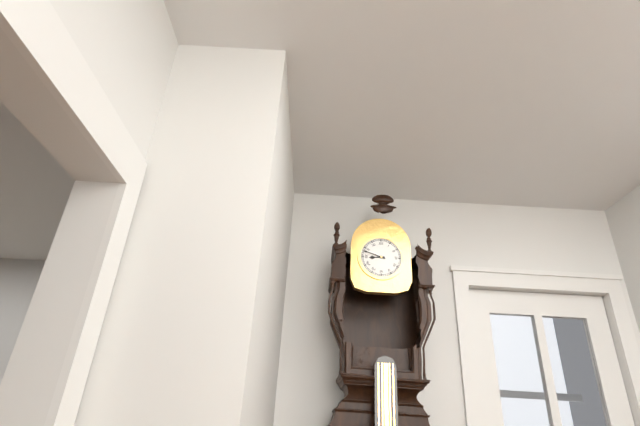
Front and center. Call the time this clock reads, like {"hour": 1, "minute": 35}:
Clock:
{"hour": 8, "minute": 48}
